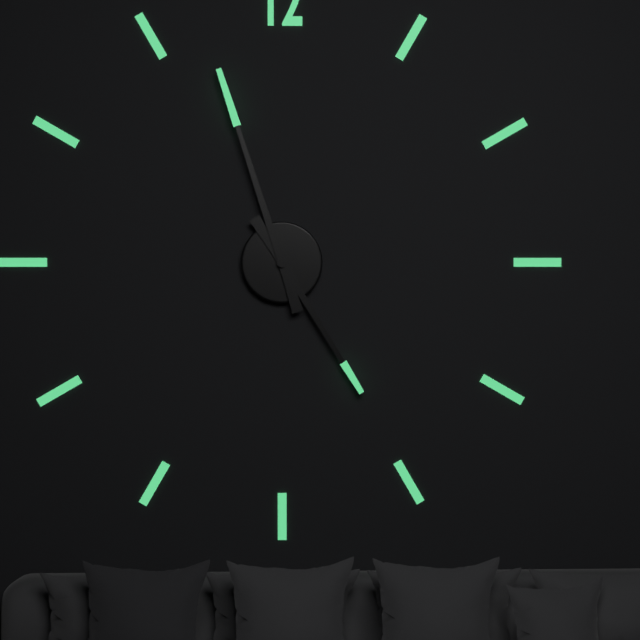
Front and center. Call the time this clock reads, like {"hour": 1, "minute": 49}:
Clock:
{"hour": 4, "minute": 57}
